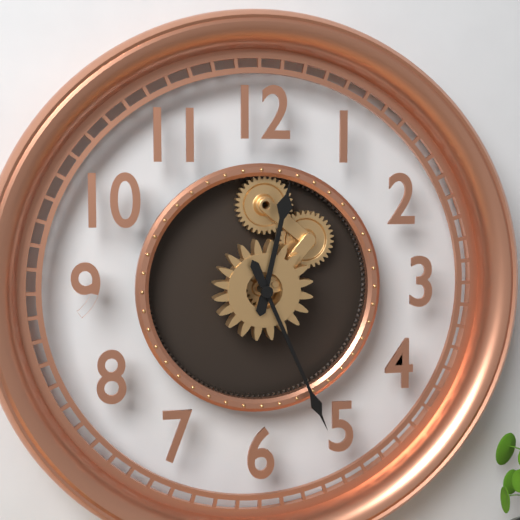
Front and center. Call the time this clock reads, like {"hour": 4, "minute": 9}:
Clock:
{"hour": 12, "minute": 26}
